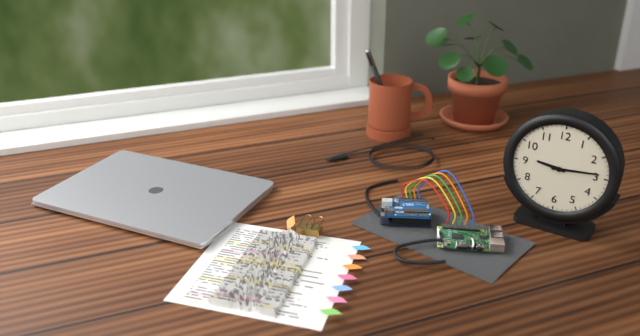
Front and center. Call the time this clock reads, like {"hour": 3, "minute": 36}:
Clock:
{"hour": 9, "minute": 14}
